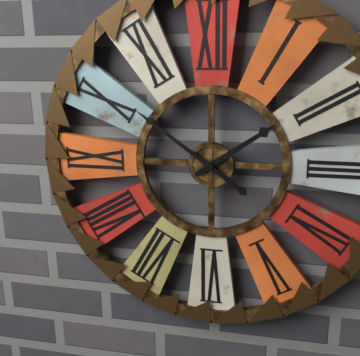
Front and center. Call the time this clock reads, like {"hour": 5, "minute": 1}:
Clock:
{"hour": 1, "minute": 51}
